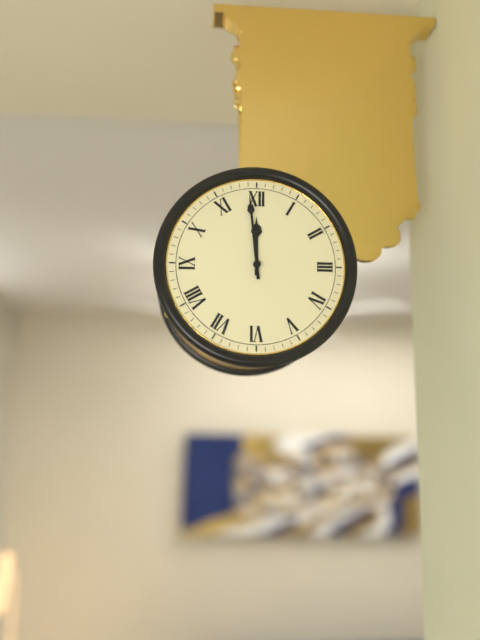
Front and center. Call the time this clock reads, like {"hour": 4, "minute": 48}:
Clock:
{"hour": 11, "minute": 59}
